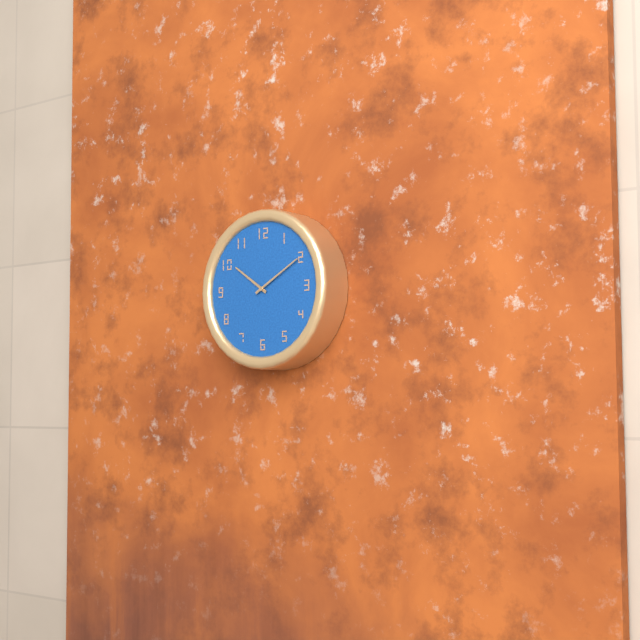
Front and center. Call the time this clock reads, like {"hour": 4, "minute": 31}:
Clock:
{"hour": 10, "minute": 10}
